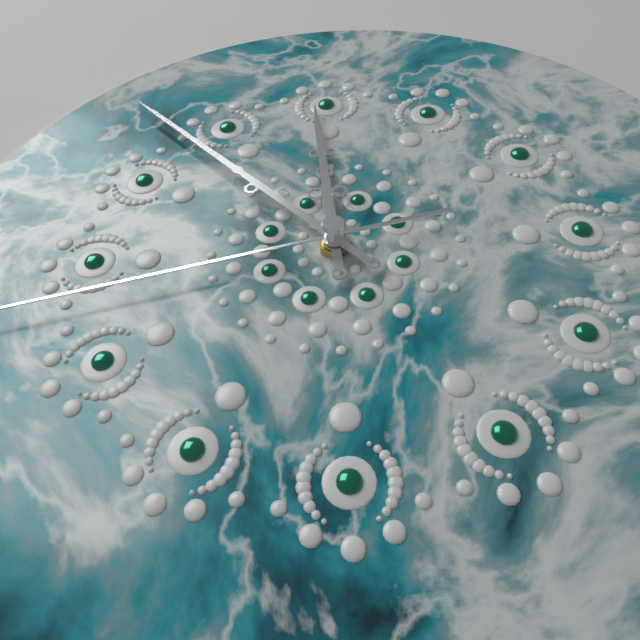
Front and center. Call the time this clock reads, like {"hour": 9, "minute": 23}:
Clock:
{"hour": 11, "minute": 53}
